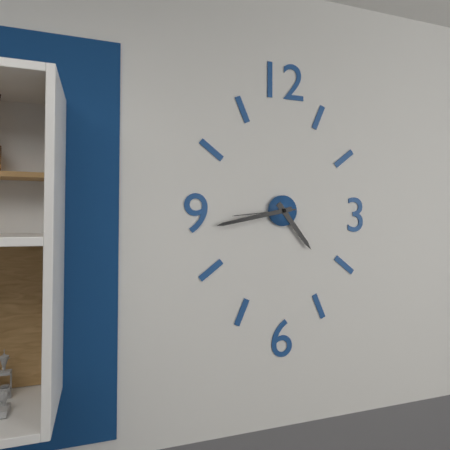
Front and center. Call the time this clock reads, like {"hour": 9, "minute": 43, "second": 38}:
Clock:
{"hour": 4, "minute": 43, "second": 44}
